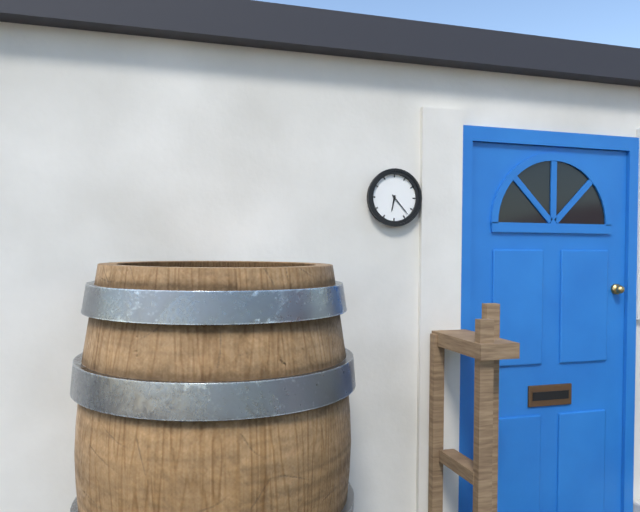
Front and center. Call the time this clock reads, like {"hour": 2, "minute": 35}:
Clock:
{"hour": 6, "minute": 23}
